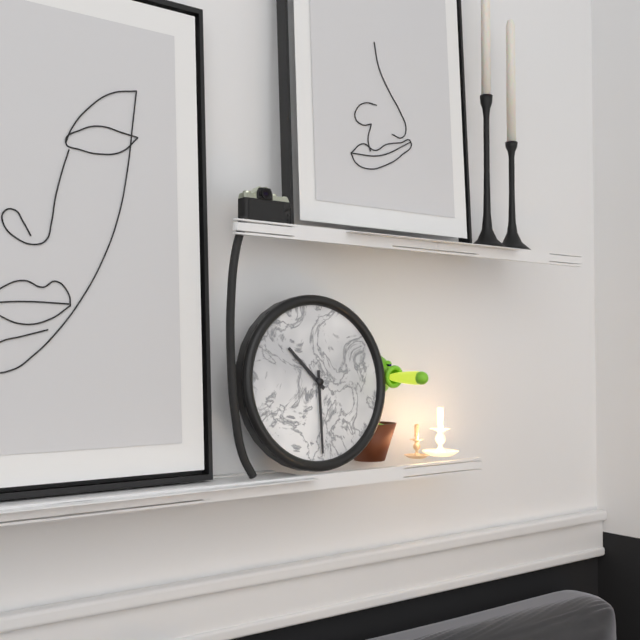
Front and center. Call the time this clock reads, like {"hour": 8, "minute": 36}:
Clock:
{"hour": 10, "minute": 30}
